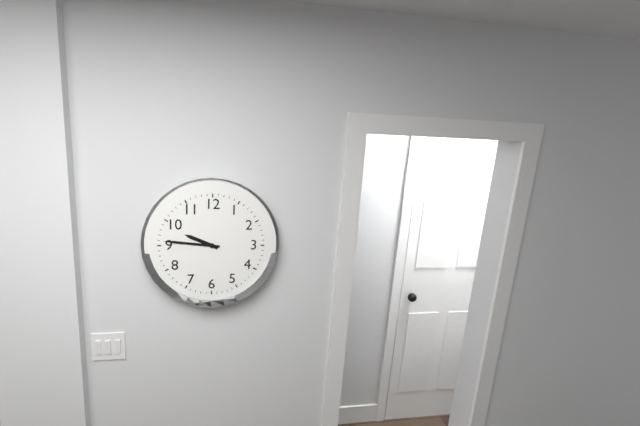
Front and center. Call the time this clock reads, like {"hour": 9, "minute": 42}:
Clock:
{"hour": 9, "minute": 46}
